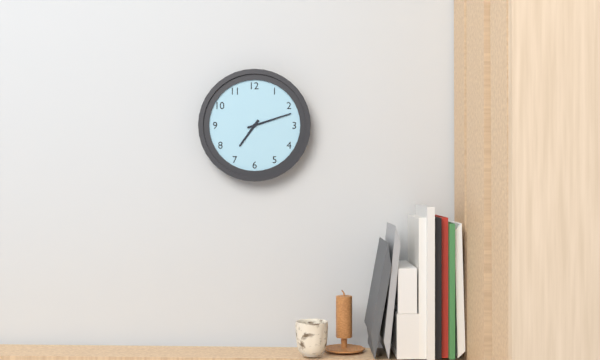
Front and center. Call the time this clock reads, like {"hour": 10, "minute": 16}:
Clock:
{"hour": 7, "minute": 12}
